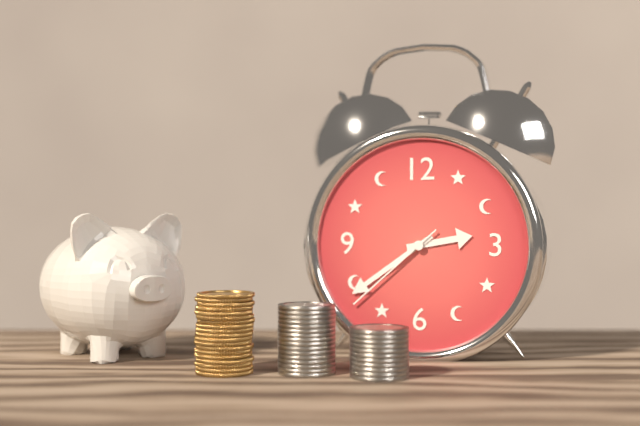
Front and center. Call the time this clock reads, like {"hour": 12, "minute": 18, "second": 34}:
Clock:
{"hour": 2, "minute": 39, "second": 38}
